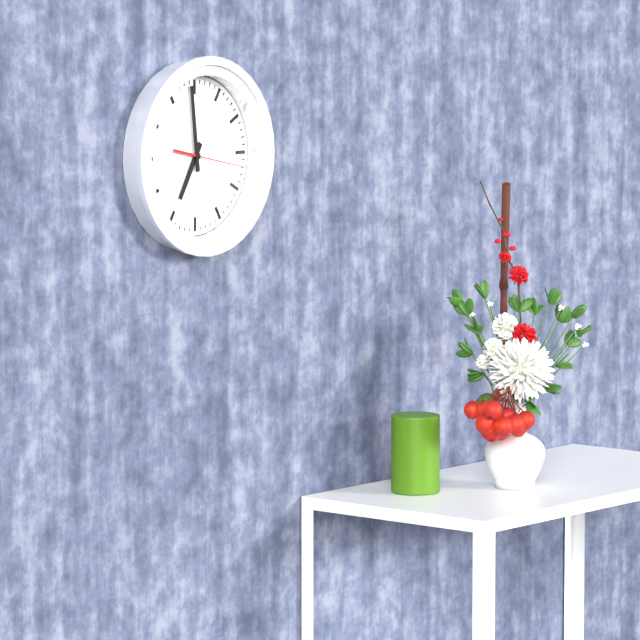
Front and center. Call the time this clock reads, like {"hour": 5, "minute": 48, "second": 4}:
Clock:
{"hour": 6, "minute": 59, "second": 17}
